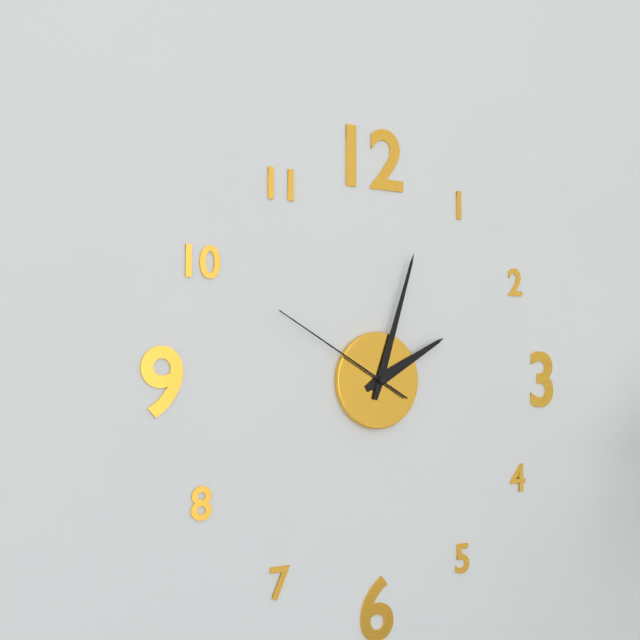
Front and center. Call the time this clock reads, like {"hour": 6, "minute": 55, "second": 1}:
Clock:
{"hour": 2, "minute": 3, "second": 50}
